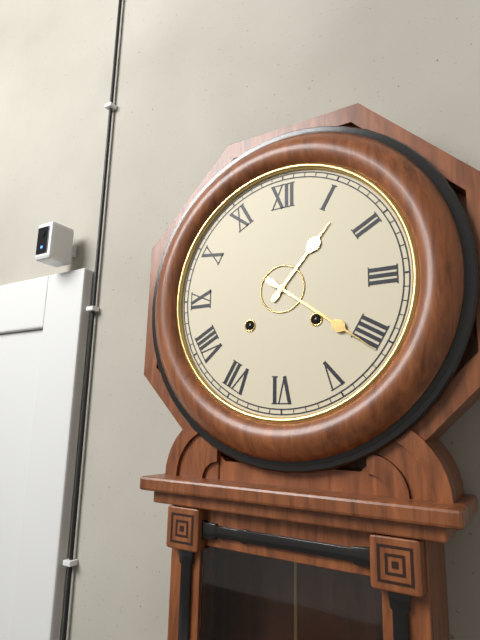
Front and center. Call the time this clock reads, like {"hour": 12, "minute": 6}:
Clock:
{"hour": 1, "minute": 21}
